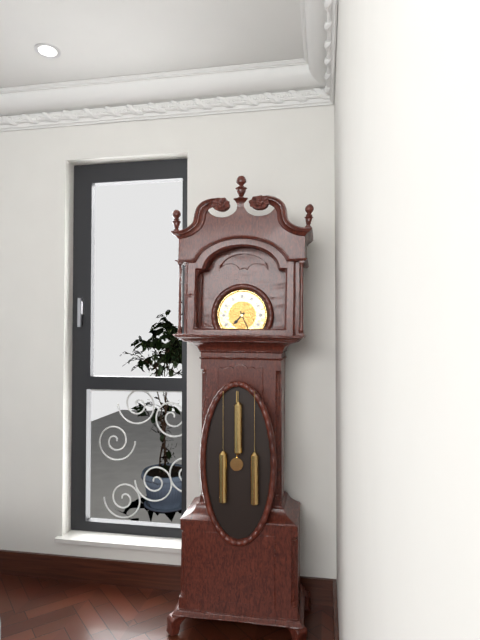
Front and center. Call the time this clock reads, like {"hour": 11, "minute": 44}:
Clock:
{"hour": 7, "minute": 26}
